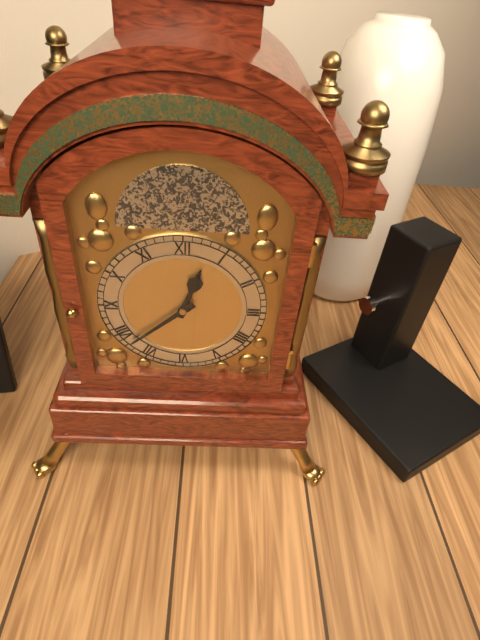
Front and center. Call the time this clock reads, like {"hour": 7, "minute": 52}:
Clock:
{"hour": 12, "minute": 38}
